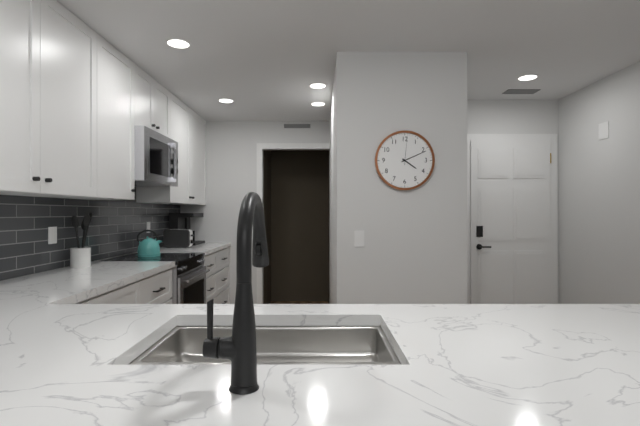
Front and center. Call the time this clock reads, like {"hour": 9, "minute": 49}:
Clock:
{"hour": 4, "minute": 11}
